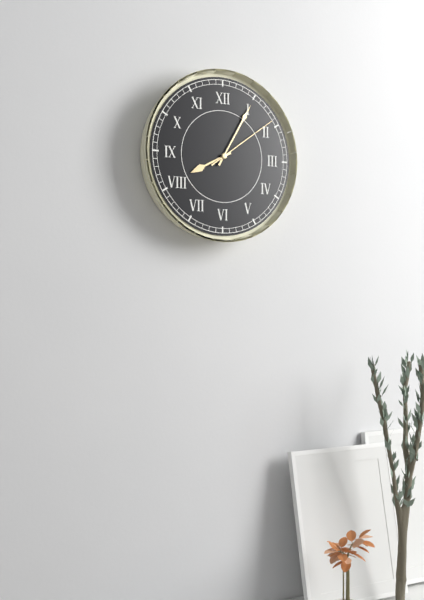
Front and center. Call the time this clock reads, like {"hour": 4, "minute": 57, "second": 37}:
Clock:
{"hour": 8, "minute": 5, "second": 9}
